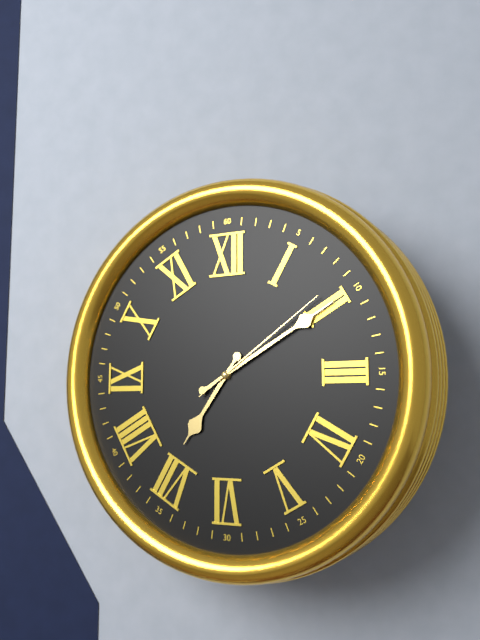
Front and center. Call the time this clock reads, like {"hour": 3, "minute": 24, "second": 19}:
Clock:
{"hour": 7, "minute": 10, "second": 9}
